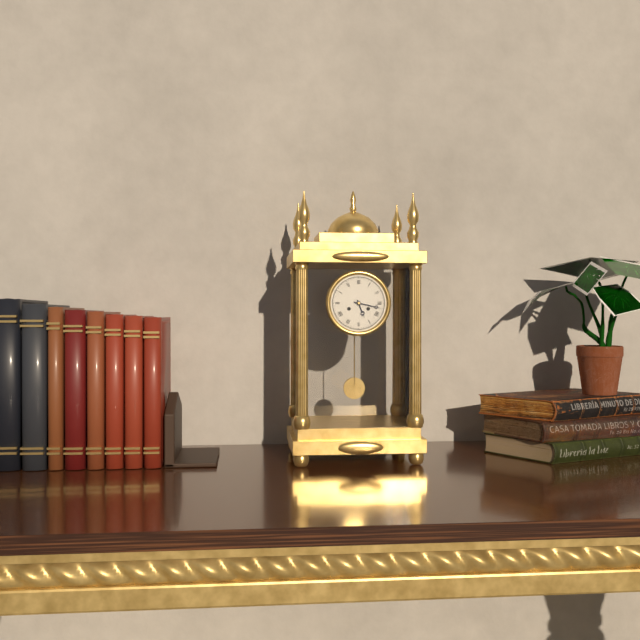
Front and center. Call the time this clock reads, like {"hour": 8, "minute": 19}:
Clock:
{"hour": 5, "minute": 17}
